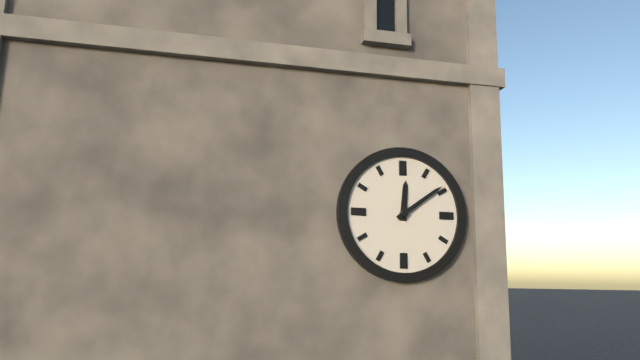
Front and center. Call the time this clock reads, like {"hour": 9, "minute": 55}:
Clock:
{"hour": 12, "minute": 9}
